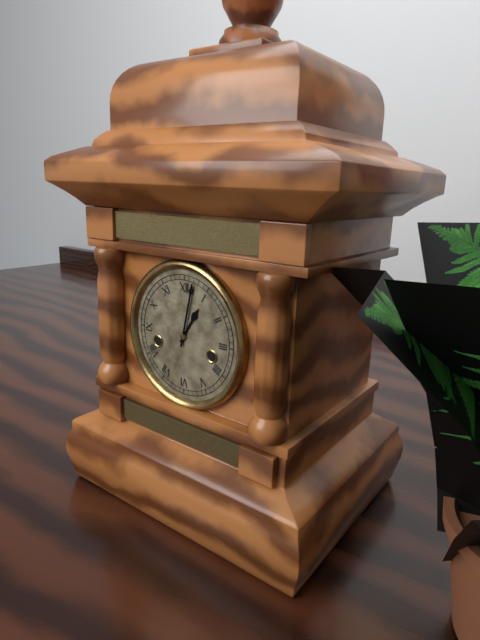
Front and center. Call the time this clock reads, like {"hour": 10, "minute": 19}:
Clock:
{"hour": 1, "minute": 2}
